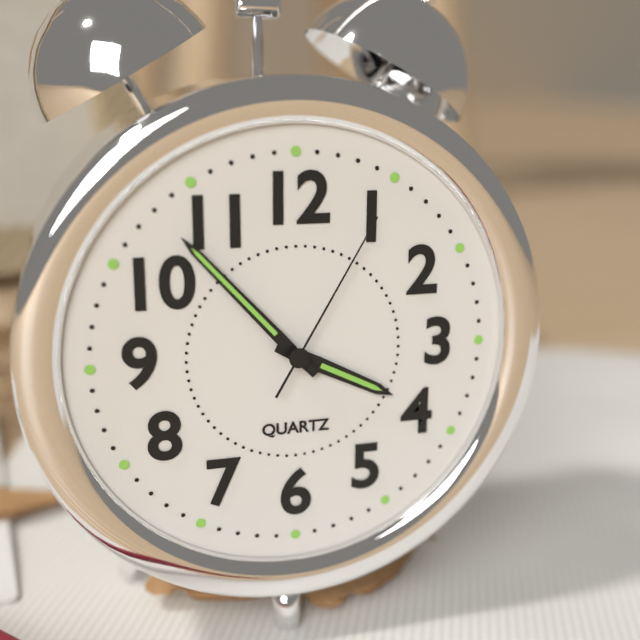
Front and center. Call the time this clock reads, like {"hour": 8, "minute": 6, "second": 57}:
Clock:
{"hour": 3, "minute": 53, "second": 5}
